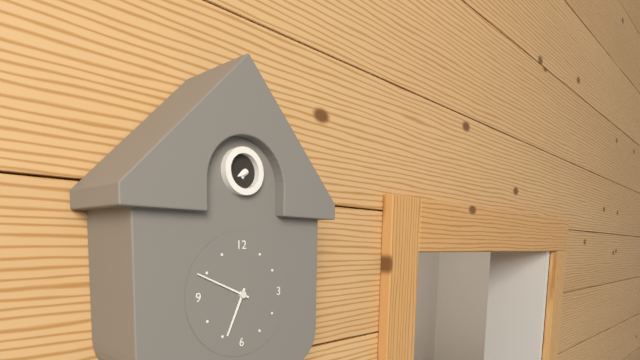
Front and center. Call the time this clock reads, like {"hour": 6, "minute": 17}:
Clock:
{"hour": 6, "minute": 49}
